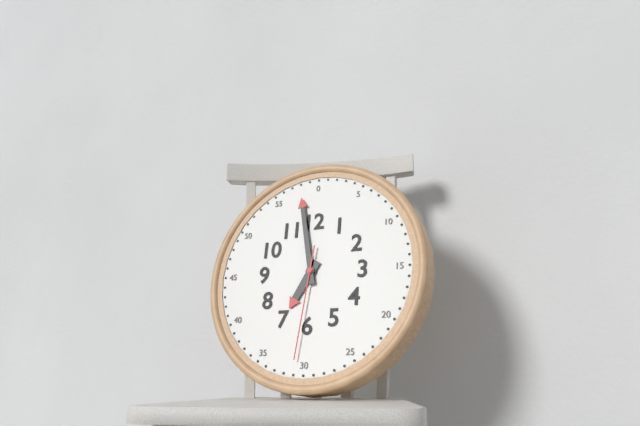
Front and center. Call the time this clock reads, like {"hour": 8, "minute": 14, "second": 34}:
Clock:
{"hour": 6, "minute": 58, "second": 31}
